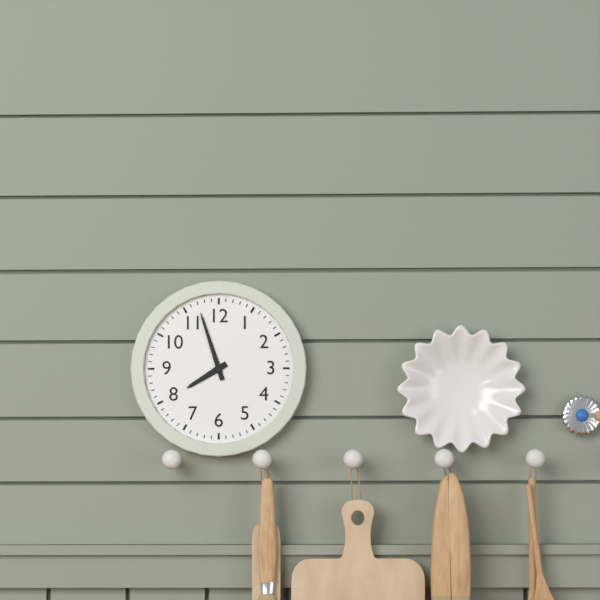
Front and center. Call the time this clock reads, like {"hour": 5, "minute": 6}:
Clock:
{"hour": 7, "minute": 57}
